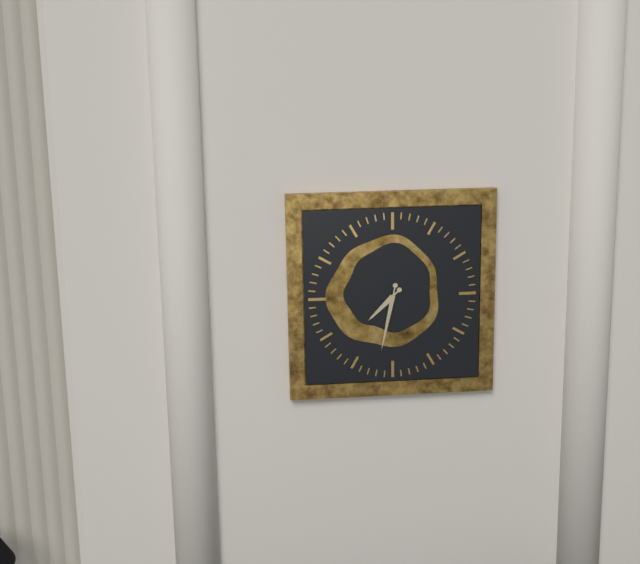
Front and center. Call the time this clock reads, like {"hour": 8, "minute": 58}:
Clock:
{"hour": 7, "minute": 32}
